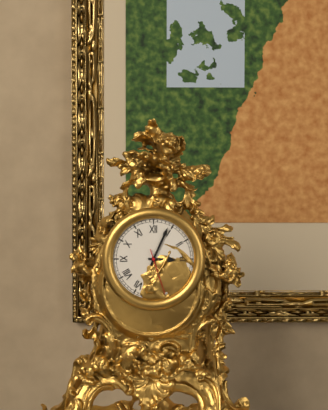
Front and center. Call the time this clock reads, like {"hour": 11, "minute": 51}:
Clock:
{"hour": 3, "minute": 4}
